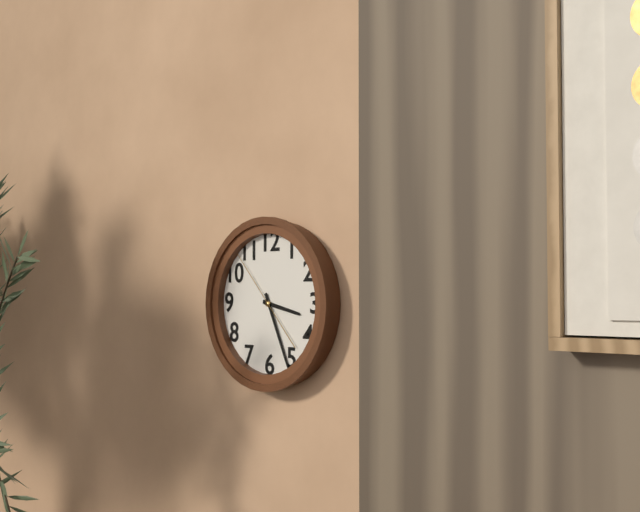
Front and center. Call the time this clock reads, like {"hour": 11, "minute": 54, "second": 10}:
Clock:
{"hour": 3, "minute": 26, "second": 53}
